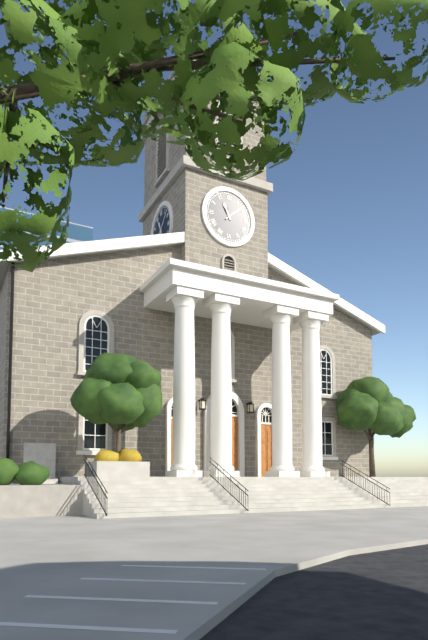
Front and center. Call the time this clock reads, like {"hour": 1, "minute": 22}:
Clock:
{"hour": 11, "minute": 8}
